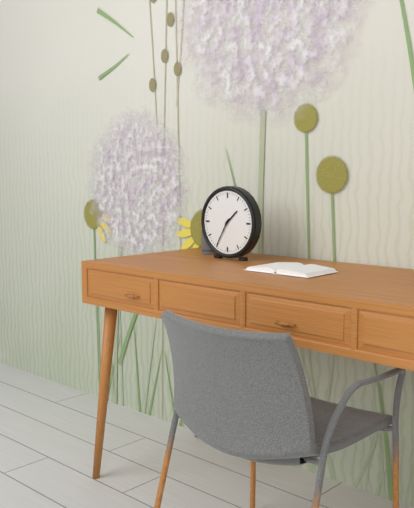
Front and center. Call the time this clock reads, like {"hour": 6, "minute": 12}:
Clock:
{"hour": 1, "minute": 35}
